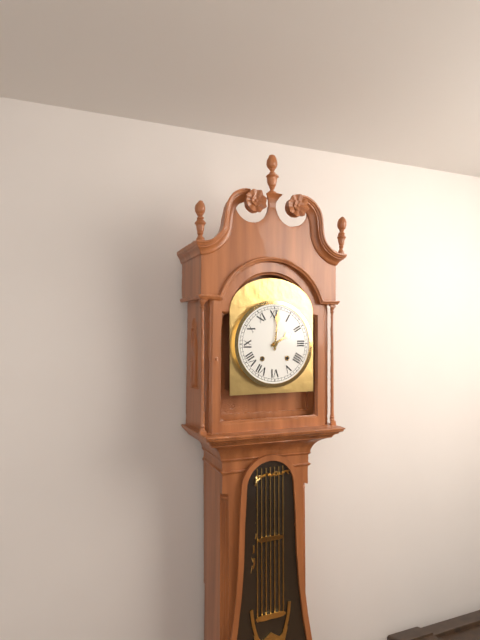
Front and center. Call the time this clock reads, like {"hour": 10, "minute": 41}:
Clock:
{"hour": 2, "minute": 1}
